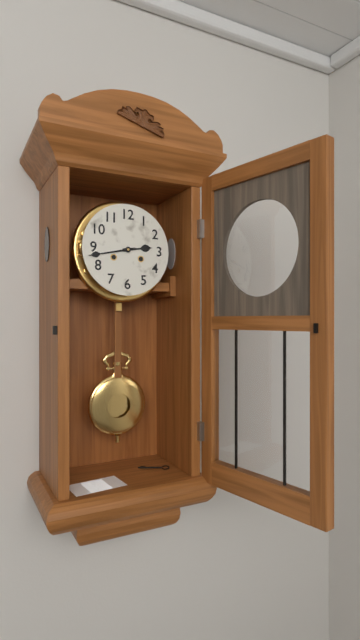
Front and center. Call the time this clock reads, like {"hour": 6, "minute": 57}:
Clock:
{"hour": 2, "minute": 43}
